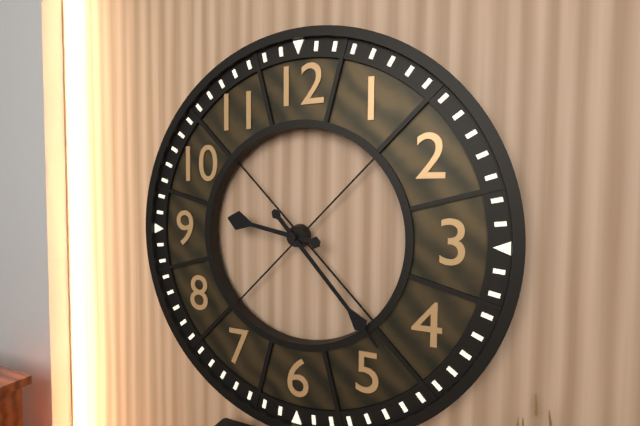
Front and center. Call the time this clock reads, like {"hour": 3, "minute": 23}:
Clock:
{"hour": 9, "minute": 23}
